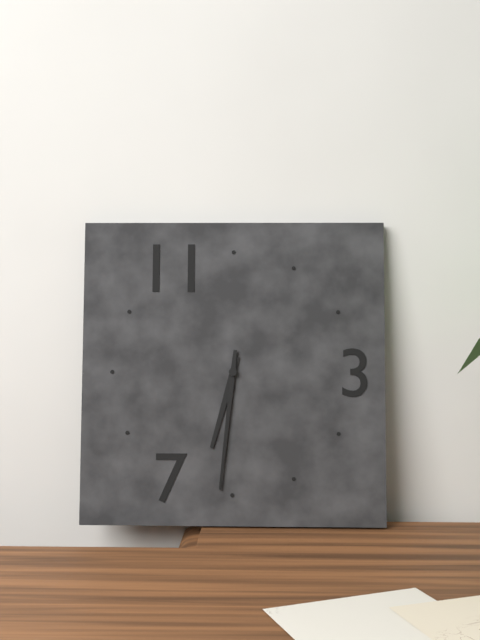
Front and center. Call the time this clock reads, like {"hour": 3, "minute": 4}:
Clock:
{"hour": 6, "minute": 31}
